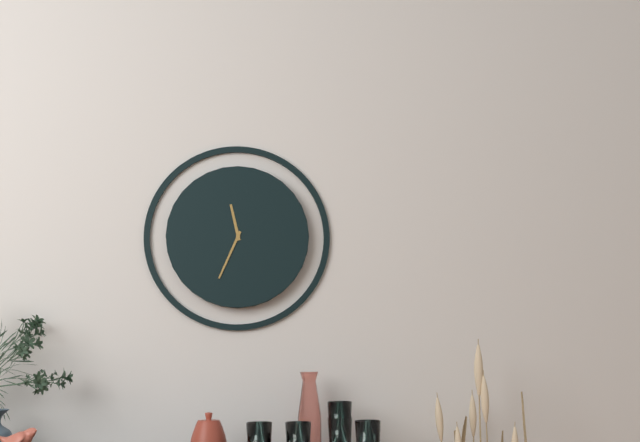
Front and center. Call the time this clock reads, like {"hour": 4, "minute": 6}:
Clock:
{"hour": 11, "minute": 34}
